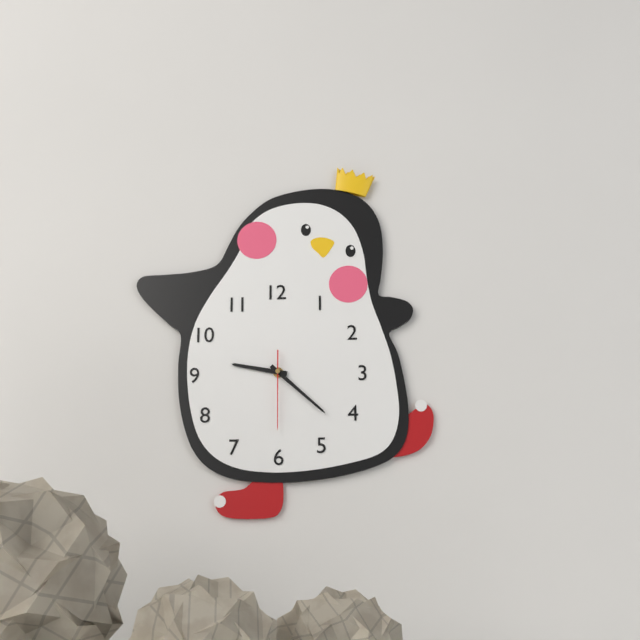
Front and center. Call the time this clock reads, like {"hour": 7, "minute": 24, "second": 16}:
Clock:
{"hour": 9, "minute": 22, "second": 30}
